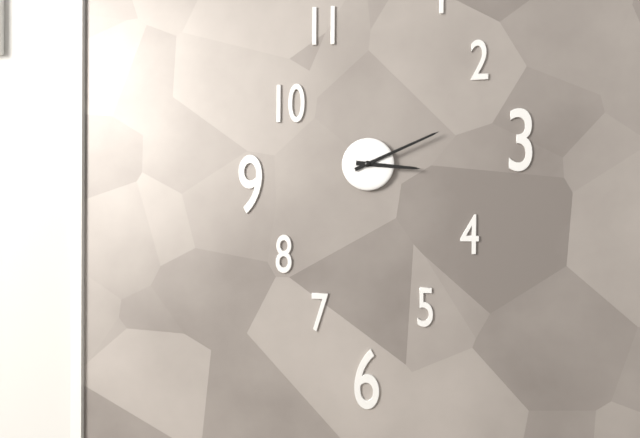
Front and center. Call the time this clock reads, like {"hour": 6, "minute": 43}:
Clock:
{"hour": 3, "minute": 11}
